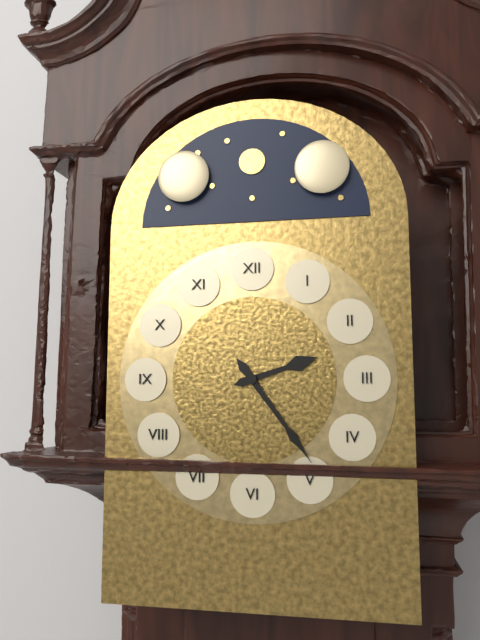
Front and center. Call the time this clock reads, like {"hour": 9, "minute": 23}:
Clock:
{"hour": 2, "minute": 24}
